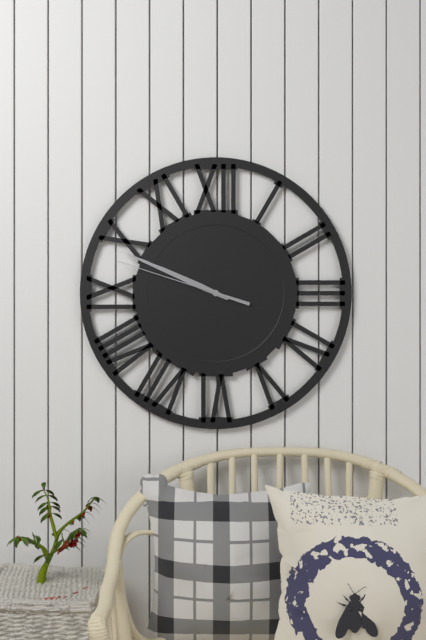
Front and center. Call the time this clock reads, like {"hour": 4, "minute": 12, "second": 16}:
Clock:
{"hour": 9, "minute": 49, "second": 48}
